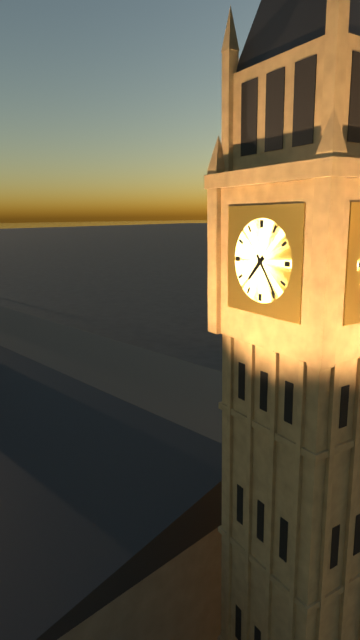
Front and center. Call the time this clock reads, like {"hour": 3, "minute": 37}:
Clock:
{"hour": 7, "minute": 24}
